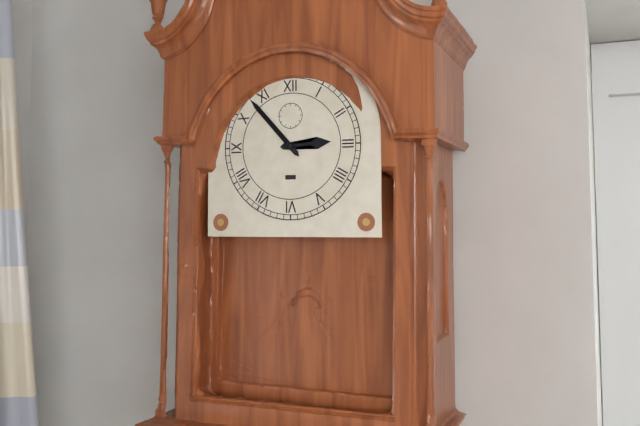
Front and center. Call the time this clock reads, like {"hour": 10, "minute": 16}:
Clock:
{"hour": 2, "minute": 53}
